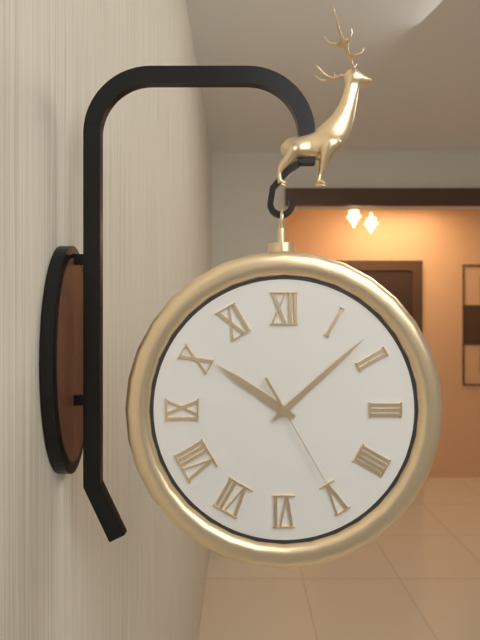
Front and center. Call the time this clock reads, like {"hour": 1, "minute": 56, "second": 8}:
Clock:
{"hour": 10, "minute": 8, "second": 25}
